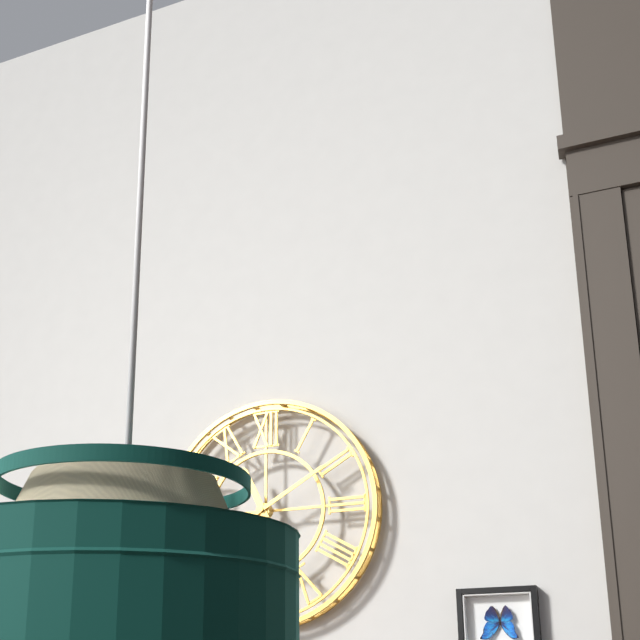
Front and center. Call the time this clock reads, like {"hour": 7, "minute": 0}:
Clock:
{"hour": 11, "minute": 10}
